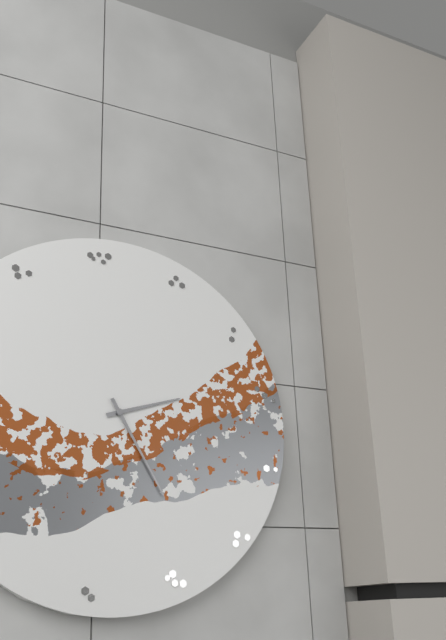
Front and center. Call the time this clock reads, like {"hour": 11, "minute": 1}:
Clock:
{"hour": 2, "minute": 25}
